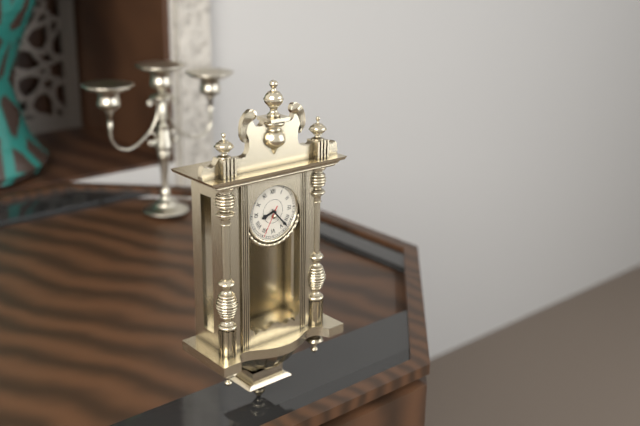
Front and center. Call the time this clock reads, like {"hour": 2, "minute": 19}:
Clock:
{"hour": 8, "minute": 23}
